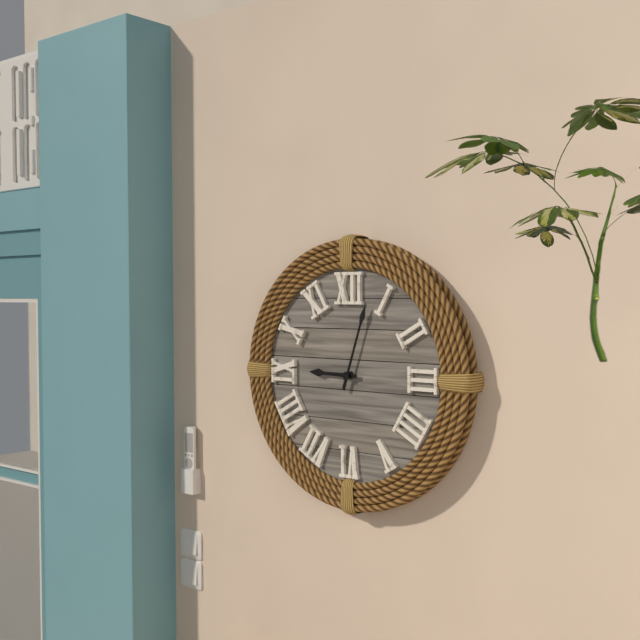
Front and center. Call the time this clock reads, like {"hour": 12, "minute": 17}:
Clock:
{"hour": 9, "minute": 3}
